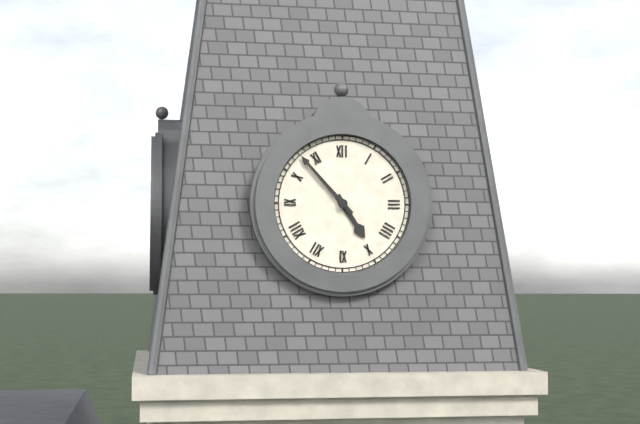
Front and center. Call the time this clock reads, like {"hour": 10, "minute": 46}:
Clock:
{"hour": 4, "minute": 53}
